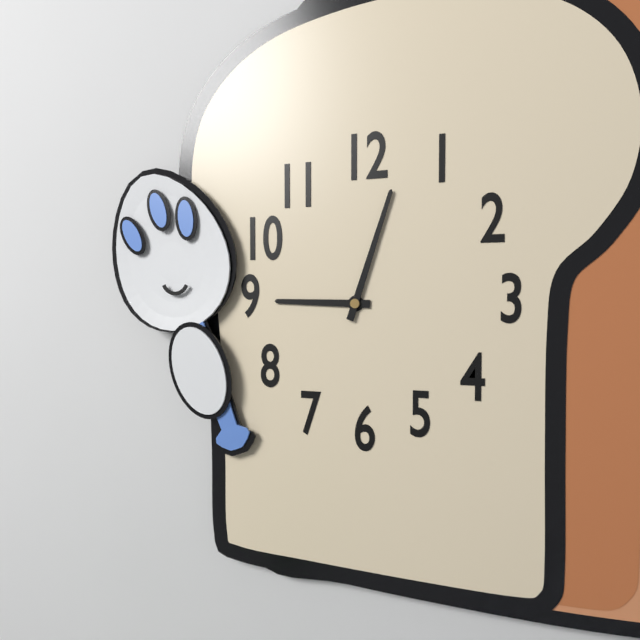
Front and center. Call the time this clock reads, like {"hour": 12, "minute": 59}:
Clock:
{"hour": 9, "minute": 3}
